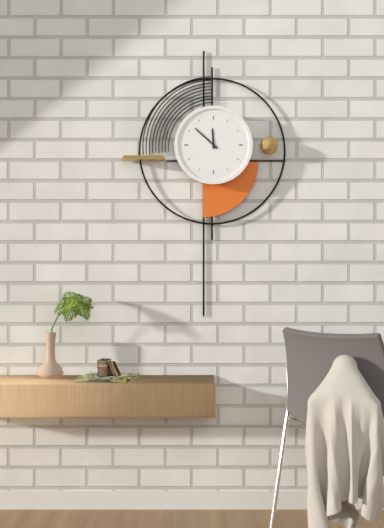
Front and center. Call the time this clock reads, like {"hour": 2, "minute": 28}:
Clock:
{"hour": 11, "minute": 52}
